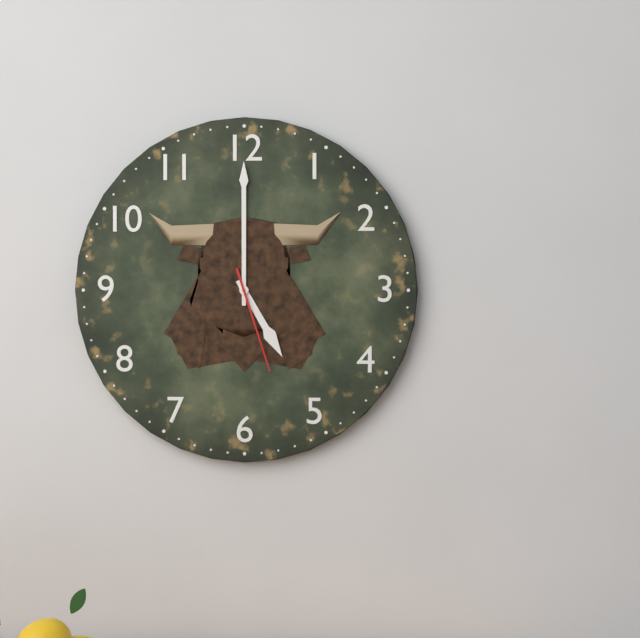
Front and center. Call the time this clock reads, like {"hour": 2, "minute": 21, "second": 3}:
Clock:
{"hour": 5, "minute": 0, "second": 27}
